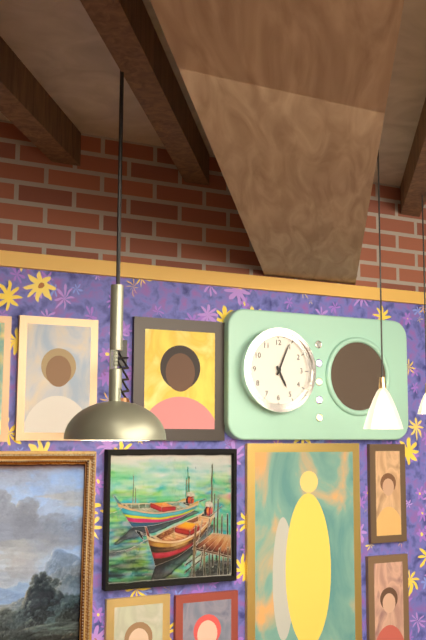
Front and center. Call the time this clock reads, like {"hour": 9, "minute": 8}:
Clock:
{"hour": 5, "minute": 4}
